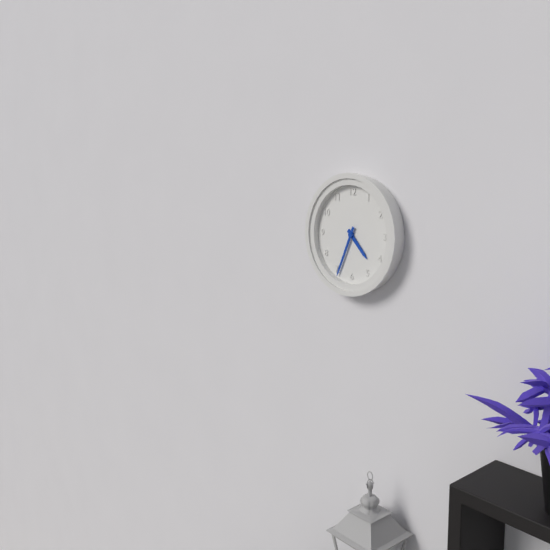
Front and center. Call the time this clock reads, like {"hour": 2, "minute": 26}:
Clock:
{"hour": 4, "minute": 34}
